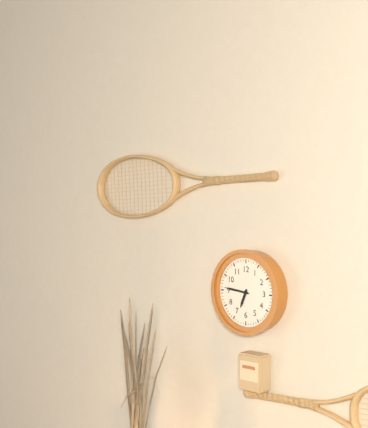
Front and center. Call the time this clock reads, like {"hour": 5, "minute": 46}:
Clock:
{"hour": 6, "minute": 46}
